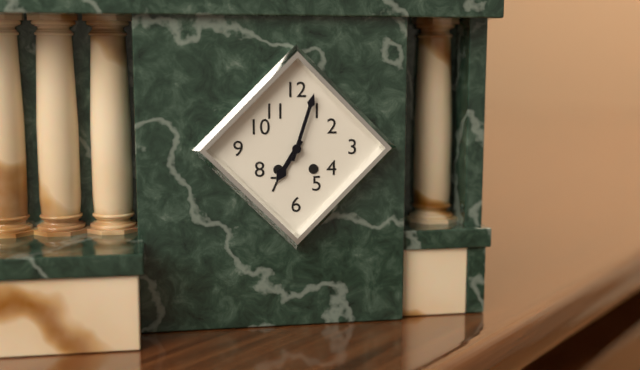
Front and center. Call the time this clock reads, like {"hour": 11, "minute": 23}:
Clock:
{"hour": 7, "minute": 3}
